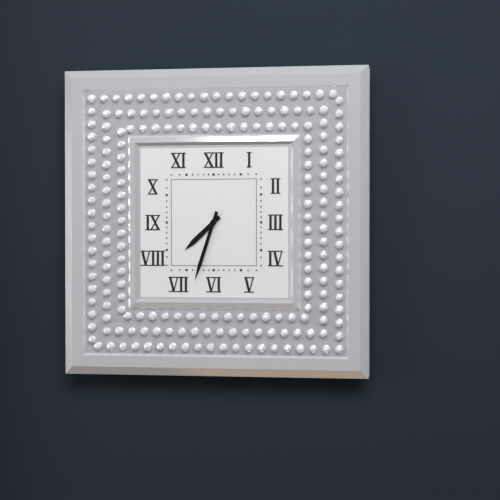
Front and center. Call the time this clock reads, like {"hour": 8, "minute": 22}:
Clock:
{"hour": 7, "minute": 33}
